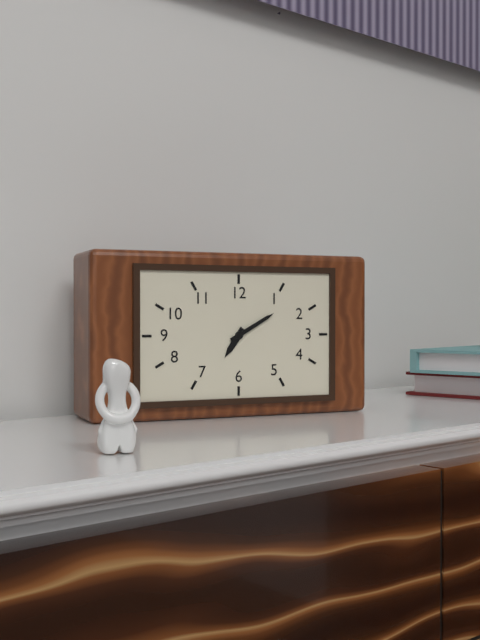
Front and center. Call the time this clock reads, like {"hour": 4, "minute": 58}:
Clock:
{"hour": 7, "minute": 10}
